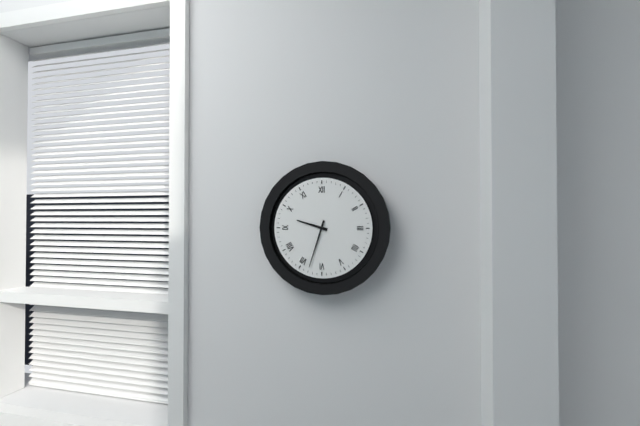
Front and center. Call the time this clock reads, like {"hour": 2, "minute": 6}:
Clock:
{"hour": 9, "minute": 33}
